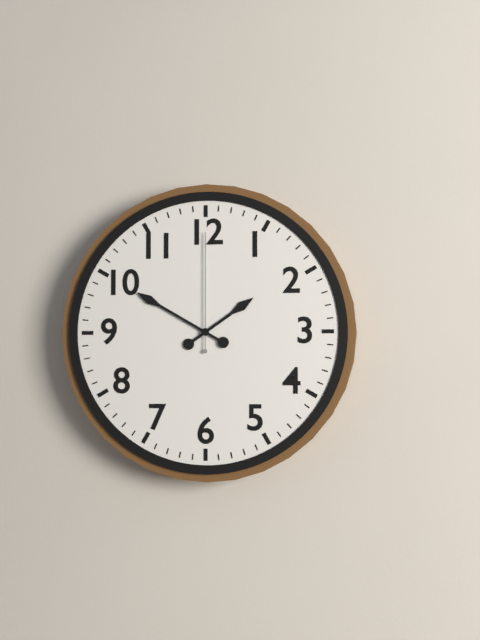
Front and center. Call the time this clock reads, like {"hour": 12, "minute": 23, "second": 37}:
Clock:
{"hour": 1, "minute": 50, "second": 0}
